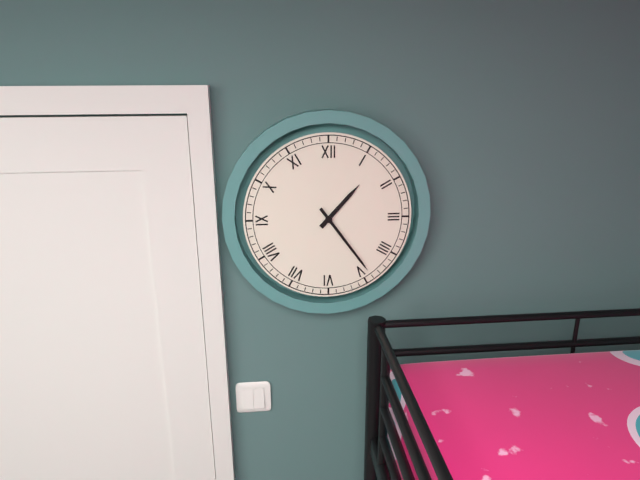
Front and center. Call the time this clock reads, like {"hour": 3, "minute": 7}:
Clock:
{"hour": 1, "minute": 24}
